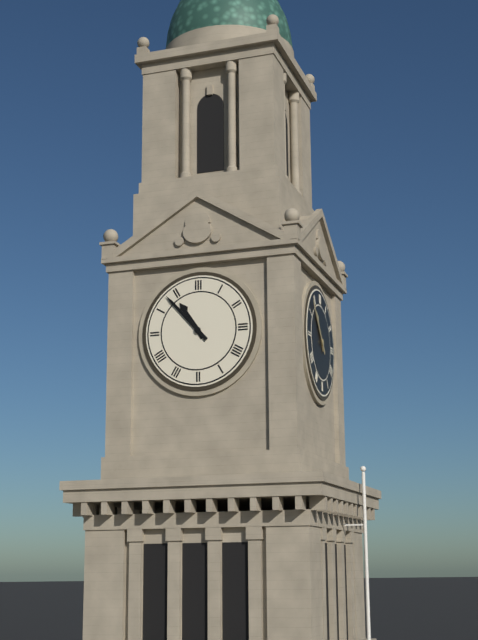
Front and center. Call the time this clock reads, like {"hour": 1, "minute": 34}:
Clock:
{"hour": 10, "minute": 53}
